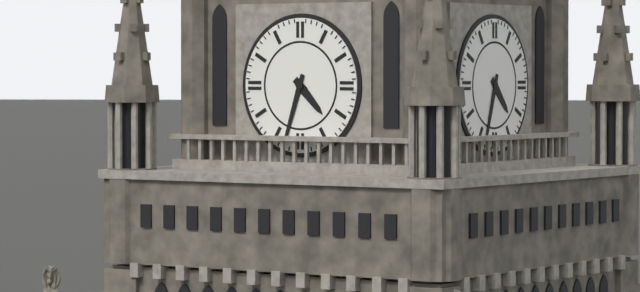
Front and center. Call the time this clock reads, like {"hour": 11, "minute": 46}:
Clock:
{"hour": 4, "minute": 33}
